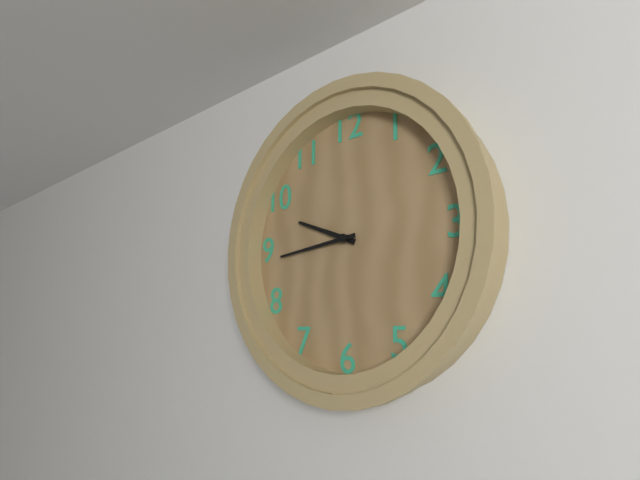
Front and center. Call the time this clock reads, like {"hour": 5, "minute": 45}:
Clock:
{"hour": 9, "minute": 44}
